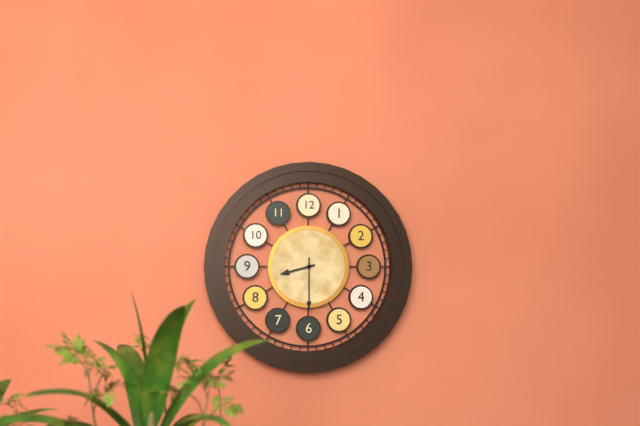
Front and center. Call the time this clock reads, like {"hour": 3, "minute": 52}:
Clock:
{"hour": 8, "minute": 30}
